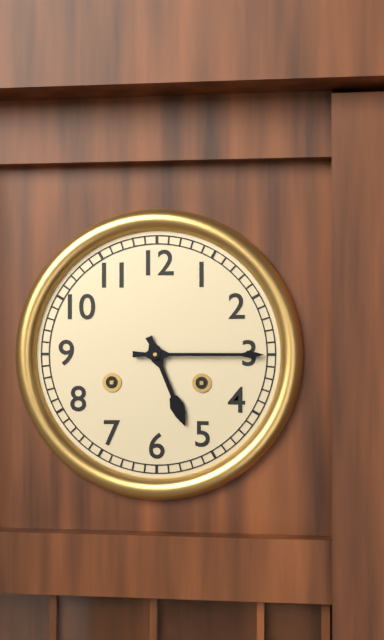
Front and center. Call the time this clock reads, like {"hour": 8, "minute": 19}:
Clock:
{"hour": 5, "minute": 15}
